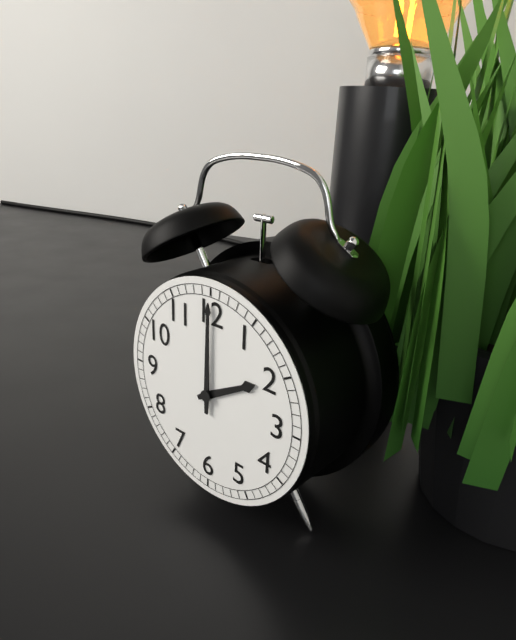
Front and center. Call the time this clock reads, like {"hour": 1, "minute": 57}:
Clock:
{"hour": 2, "minute": 0}
